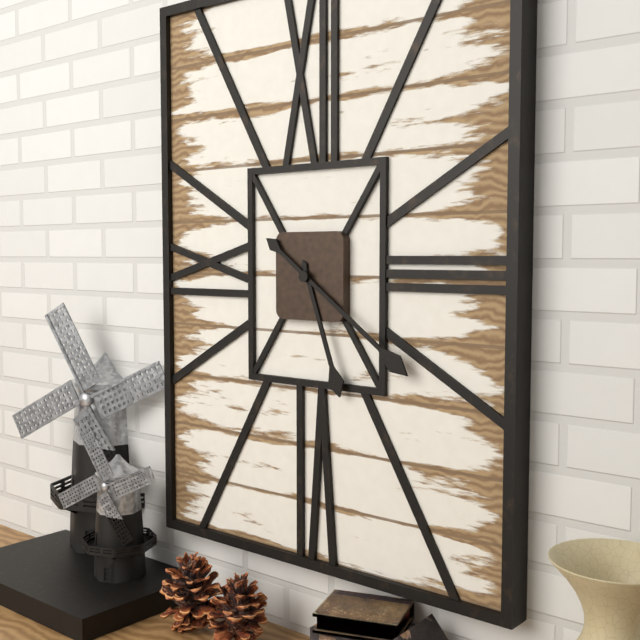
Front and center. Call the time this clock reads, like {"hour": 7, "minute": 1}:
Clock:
{"hour": 5, "minute": 21}
